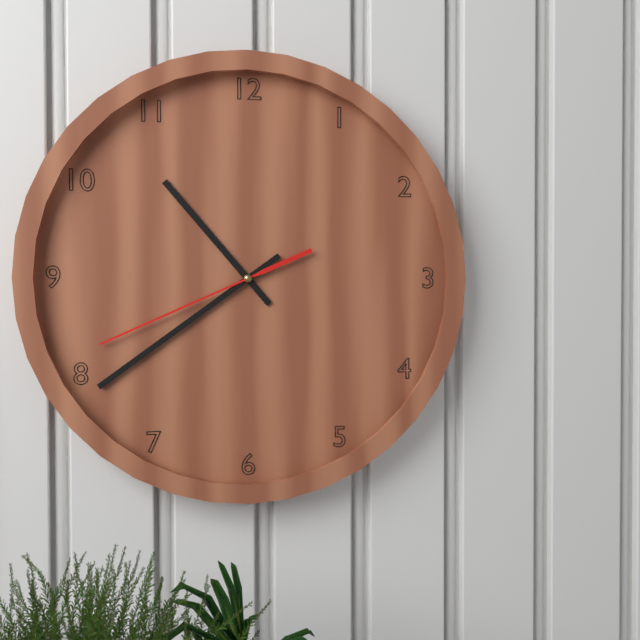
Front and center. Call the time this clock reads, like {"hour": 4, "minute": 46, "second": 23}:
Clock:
{"hour": 10, "minute": 39, "second": 41}
